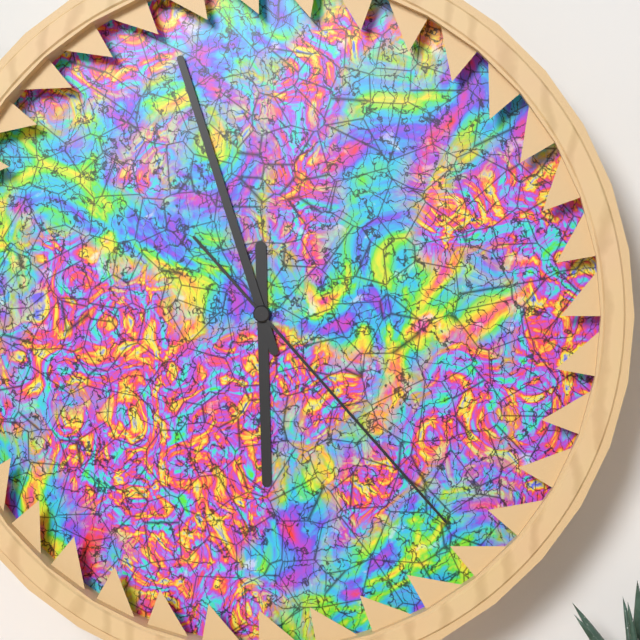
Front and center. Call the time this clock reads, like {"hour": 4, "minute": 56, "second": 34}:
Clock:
{"hour": 5, "minute": 57, "second": 23}
